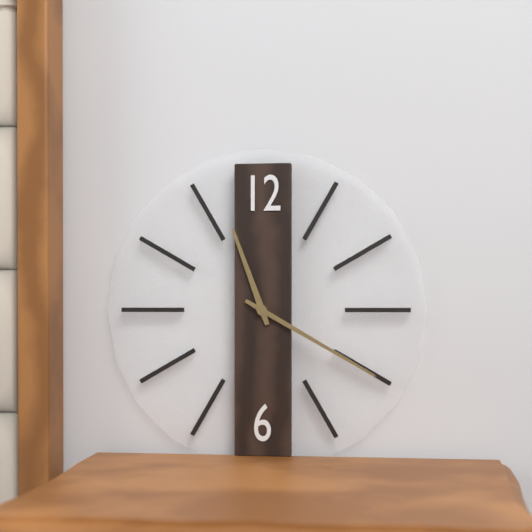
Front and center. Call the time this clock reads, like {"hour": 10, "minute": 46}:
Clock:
{"hour": 11, "minute": 20}
